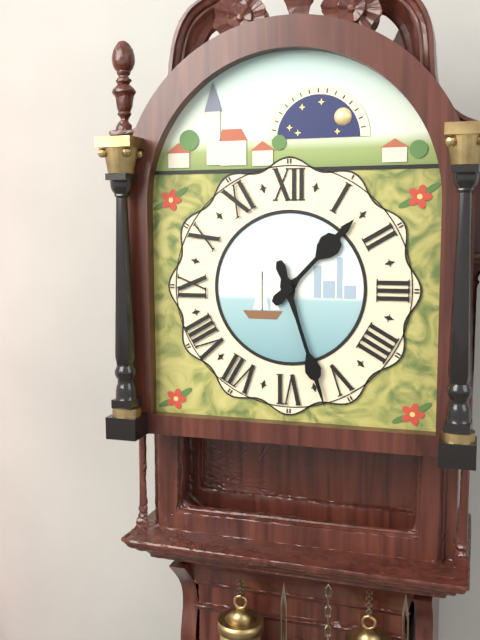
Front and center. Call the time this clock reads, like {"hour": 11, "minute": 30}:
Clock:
{"hour": 1, "minute": 27}
